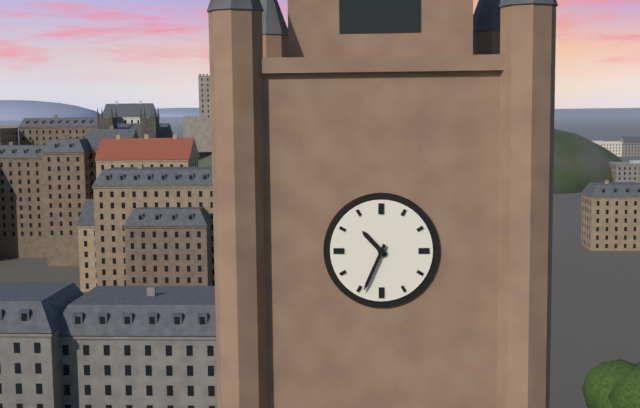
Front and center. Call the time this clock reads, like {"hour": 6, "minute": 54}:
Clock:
{"hour": 10, "minute": 34}
